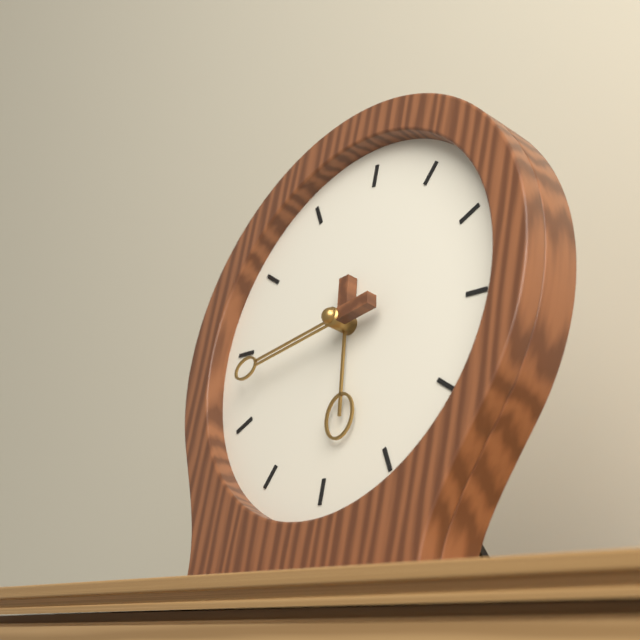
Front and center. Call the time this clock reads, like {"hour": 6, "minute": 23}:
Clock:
{"hour": 5, "minute": 43}
